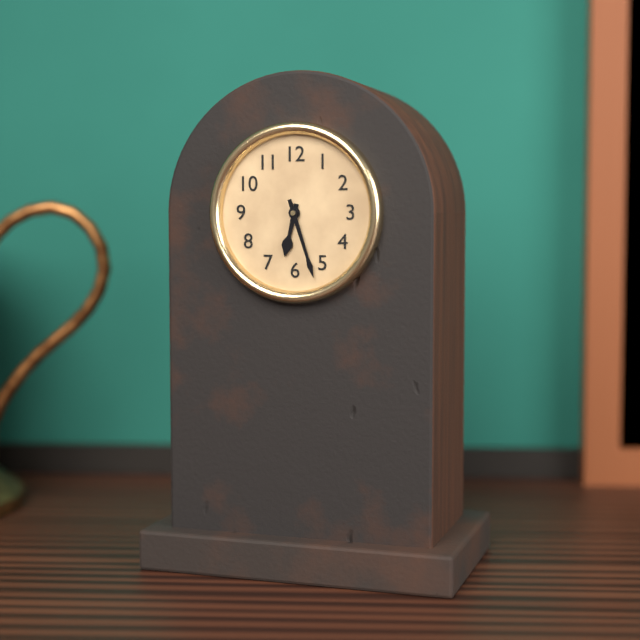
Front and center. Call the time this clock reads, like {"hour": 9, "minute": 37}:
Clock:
{"hour": 6, "minute": 27}
